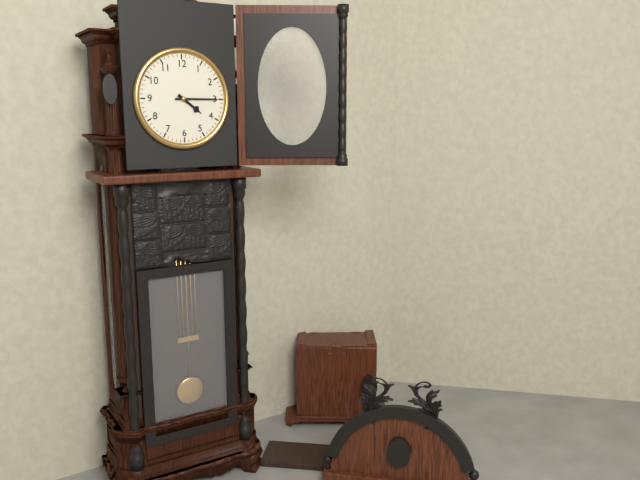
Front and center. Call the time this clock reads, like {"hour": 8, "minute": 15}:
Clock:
{"hour": 4, "minute": 15}
